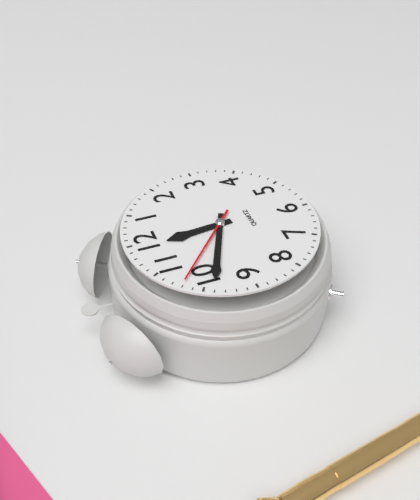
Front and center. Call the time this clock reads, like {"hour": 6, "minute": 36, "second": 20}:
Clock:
{"hour": 11, "minute": 49, "second": 52}
